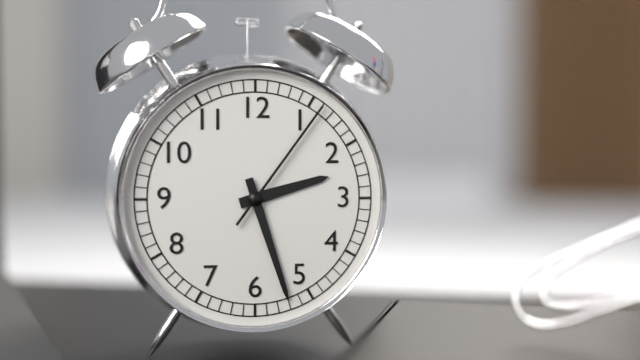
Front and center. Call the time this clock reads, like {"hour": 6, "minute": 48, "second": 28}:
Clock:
{"hour": 2, "minute": 27, "second": 6}
